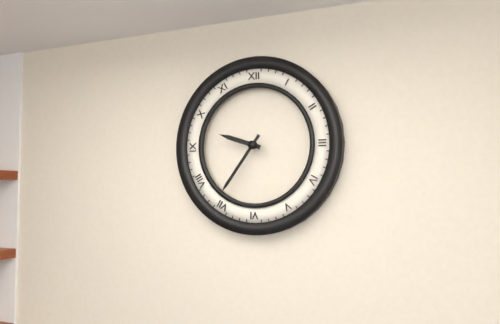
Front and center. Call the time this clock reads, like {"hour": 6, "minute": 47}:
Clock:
{"hour": 9, "minute": 36}
